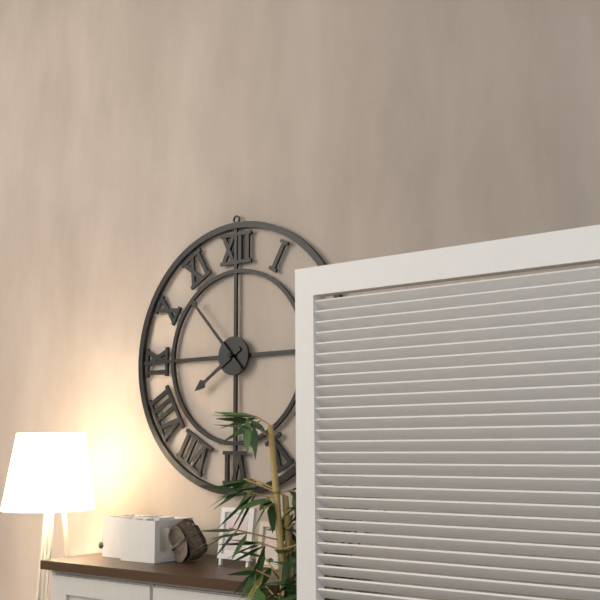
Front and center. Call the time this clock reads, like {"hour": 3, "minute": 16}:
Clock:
{"hour": 7, "minute": 53}
